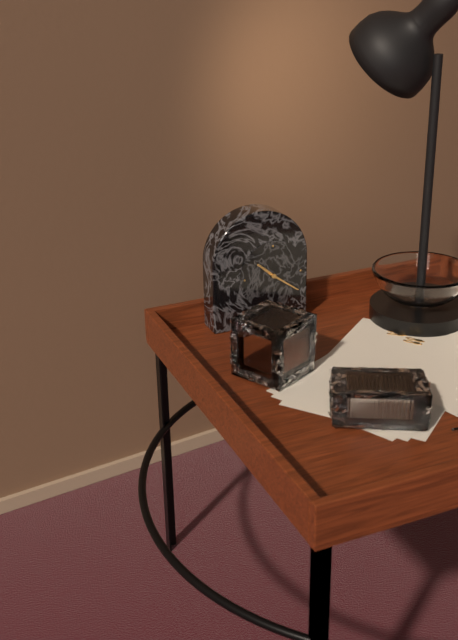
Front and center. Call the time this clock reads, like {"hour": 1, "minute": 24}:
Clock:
{"hour": 10, "minute": 21}
